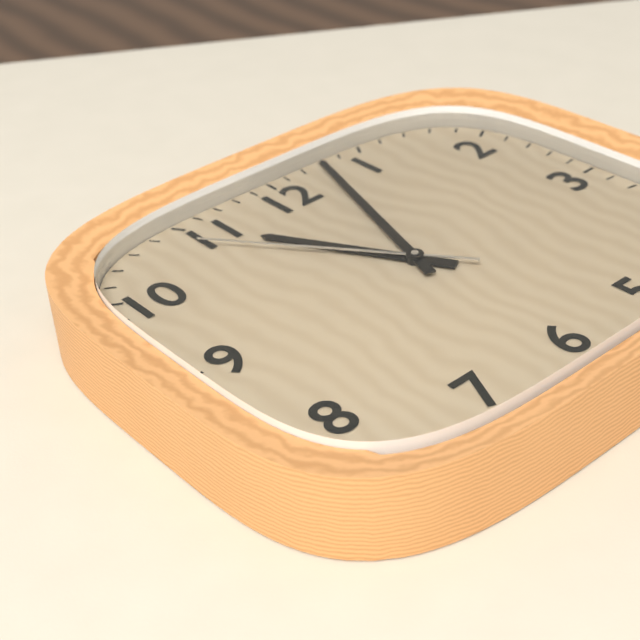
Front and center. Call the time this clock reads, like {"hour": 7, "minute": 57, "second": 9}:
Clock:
{"hour": 11, "minute": 3, "second": 54}
